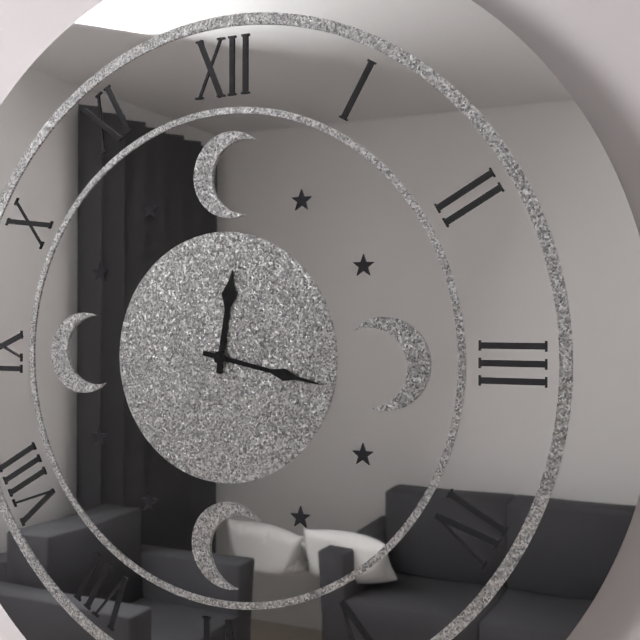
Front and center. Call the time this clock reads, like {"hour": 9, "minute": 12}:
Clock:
{"hour": 12, "minute": 17}
